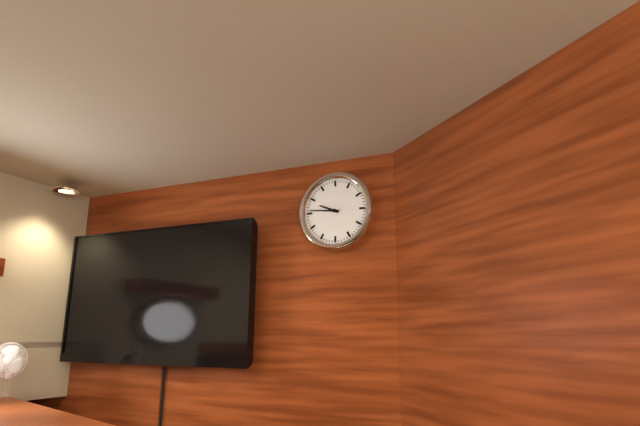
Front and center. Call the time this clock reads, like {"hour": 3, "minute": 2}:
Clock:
{"hour": 9, "minute": 46}
